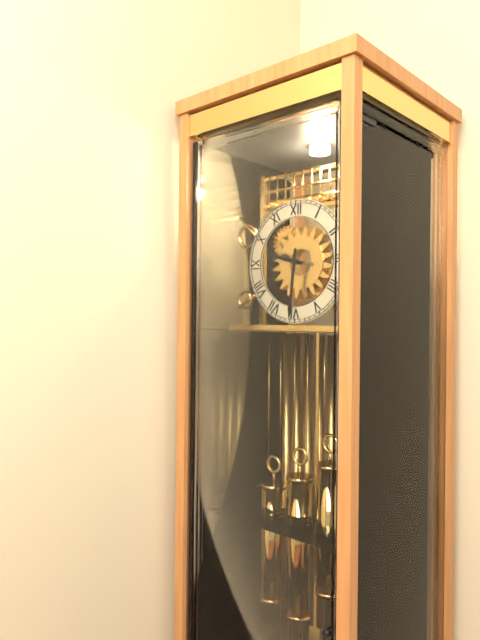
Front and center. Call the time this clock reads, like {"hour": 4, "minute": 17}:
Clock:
{"hour": 9, "minute": 31}
